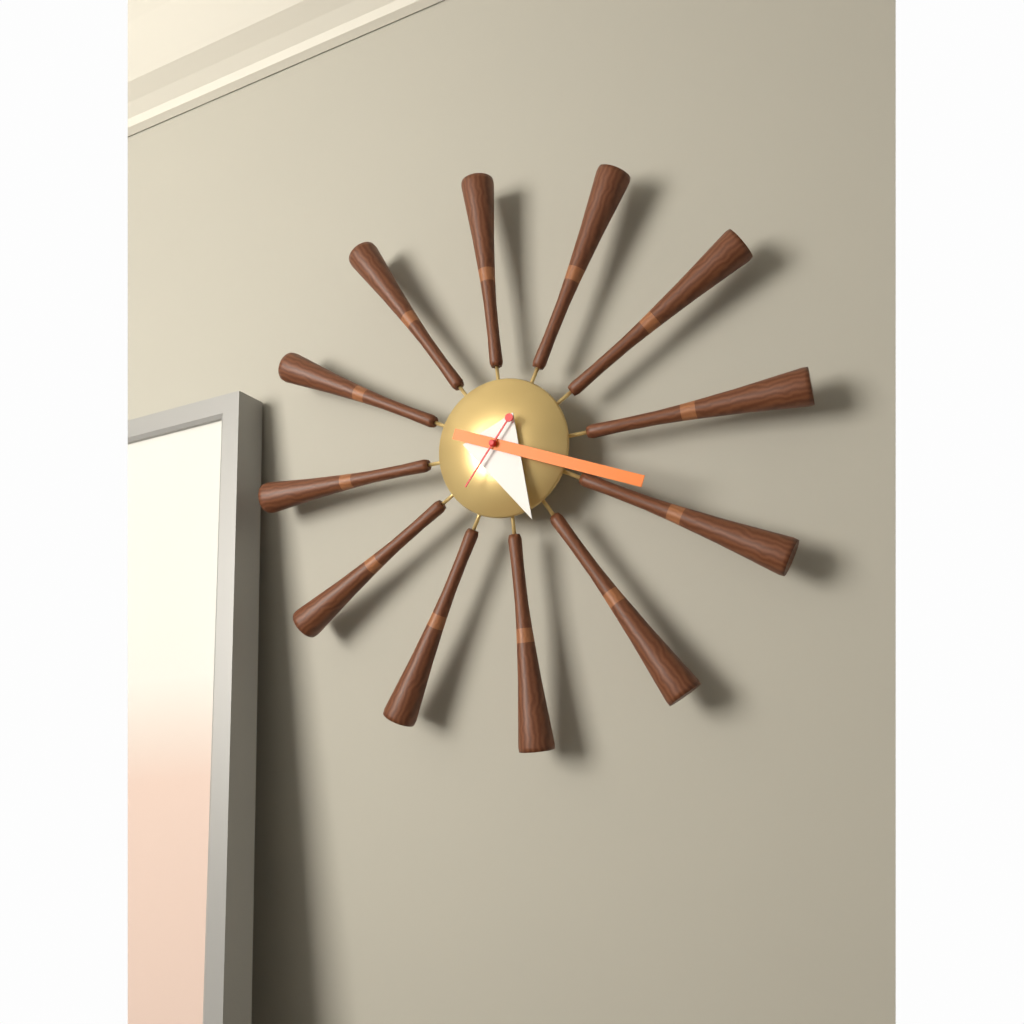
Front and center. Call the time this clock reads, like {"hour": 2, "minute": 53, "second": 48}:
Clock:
{"hour": 5, "minute": 19, "second": 37}
